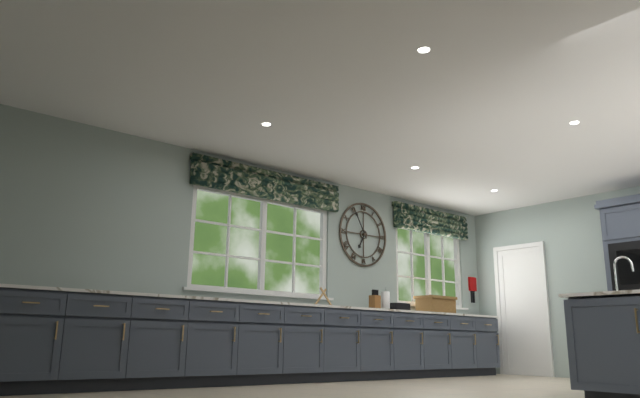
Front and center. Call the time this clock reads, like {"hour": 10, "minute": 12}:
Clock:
{"hour": 6, "minute": 55}
